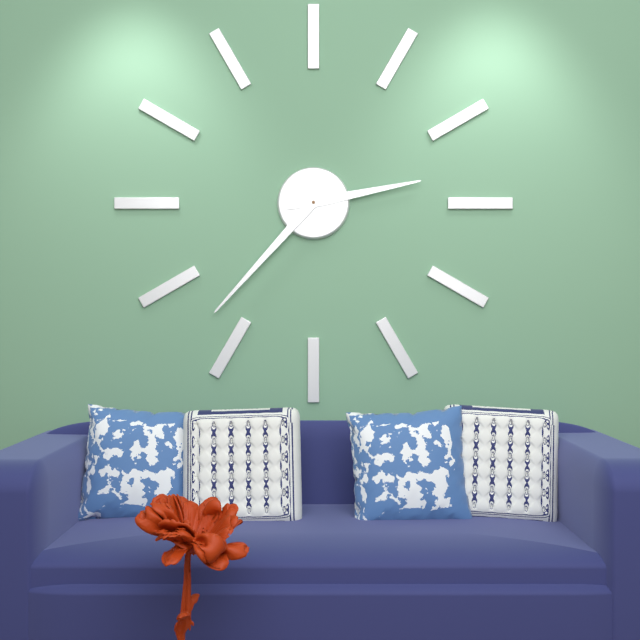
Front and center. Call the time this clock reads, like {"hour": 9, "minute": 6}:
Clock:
{"hour": 2, "minute": 37}
